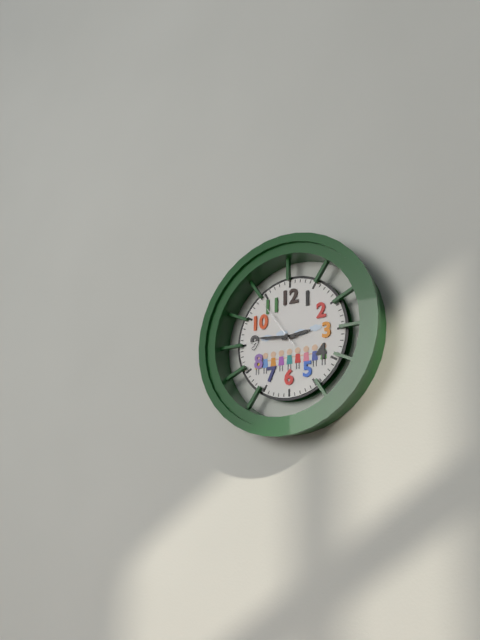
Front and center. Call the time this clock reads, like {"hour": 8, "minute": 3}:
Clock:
{"hour": 2, "minute": 46}
